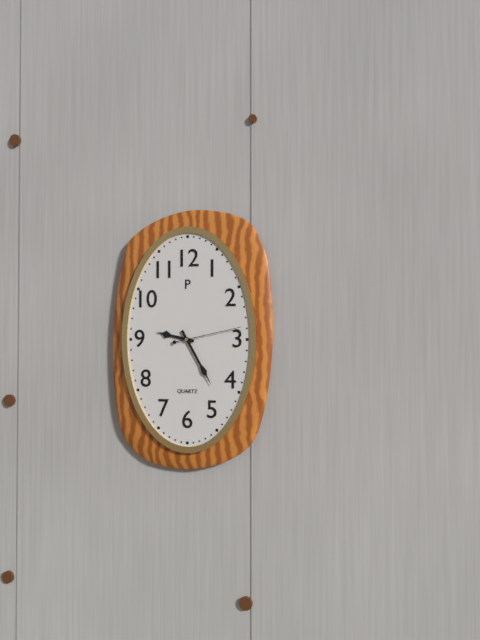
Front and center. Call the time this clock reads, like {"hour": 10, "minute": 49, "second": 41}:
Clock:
{"hour": 9, "minute": 25, "second": 13}
